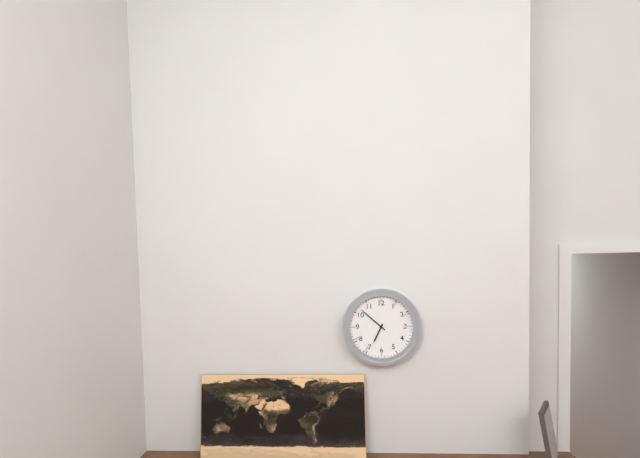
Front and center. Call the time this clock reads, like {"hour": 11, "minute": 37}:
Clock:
{"hour": 6, "minute": 52}
